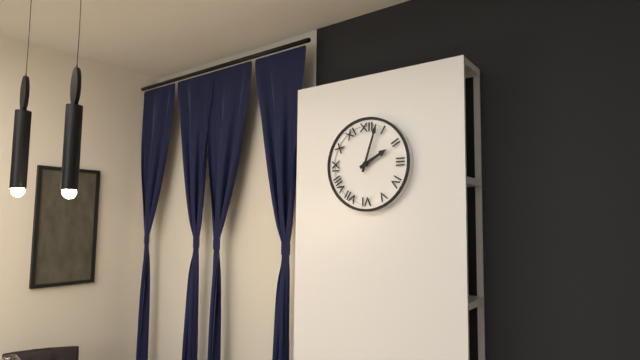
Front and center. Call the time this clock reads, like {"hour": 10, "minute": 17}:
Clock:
{"hour": 2, "minute": 3}
